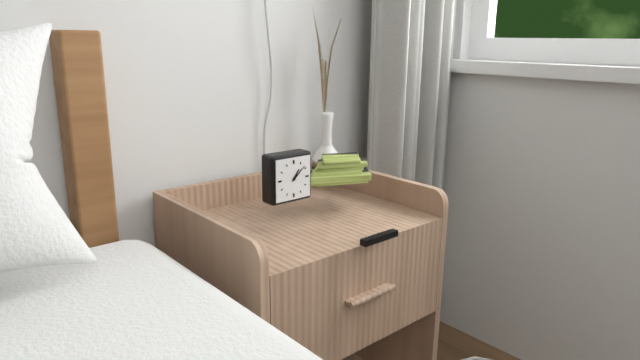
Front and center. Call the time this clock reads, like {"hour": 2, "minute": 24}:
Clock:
{"hour": 1, "minute": 8}
